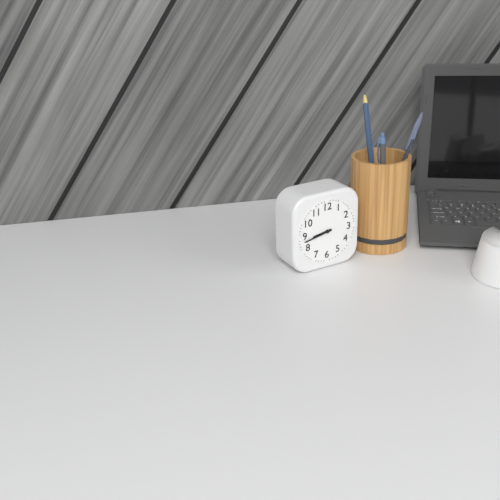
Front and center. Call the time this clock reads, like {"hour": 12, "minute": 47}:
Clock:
{"hour": 8, "minute": 43}
